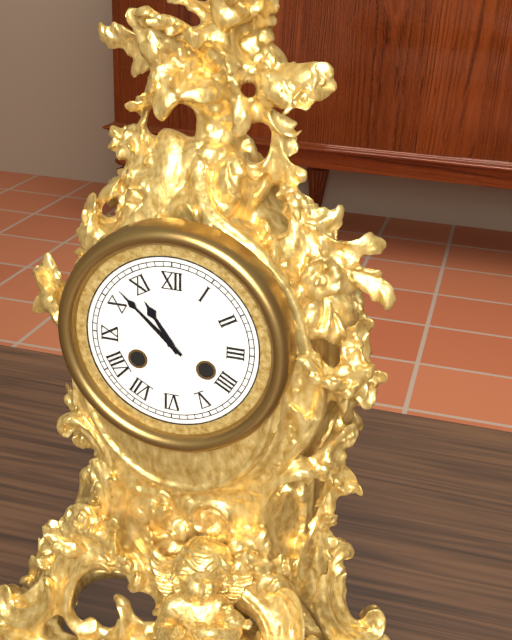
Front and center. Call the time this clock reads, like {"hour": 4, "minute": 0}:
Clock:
{"hour": 10, "minute": 52}
